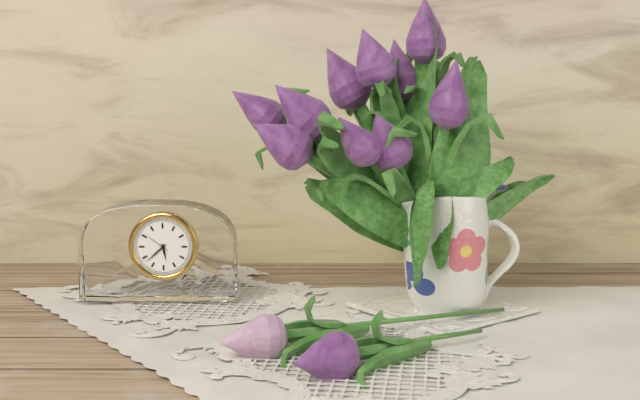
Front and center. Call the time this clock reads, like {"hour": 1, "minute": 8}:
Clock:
{"hour": 5, "minute": 38}
